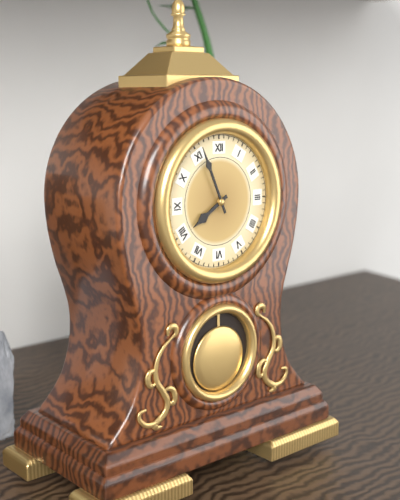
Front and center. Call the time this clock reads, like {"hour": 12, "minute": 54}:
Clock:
{"hour": 7, "minute": 56}
